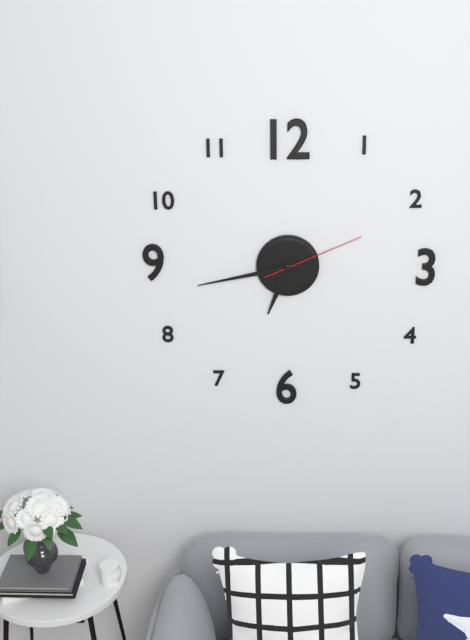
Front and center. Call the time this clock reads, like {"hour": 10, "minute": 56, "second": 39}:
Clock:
{"hour": 6, "minute": 43, "second": 11}
